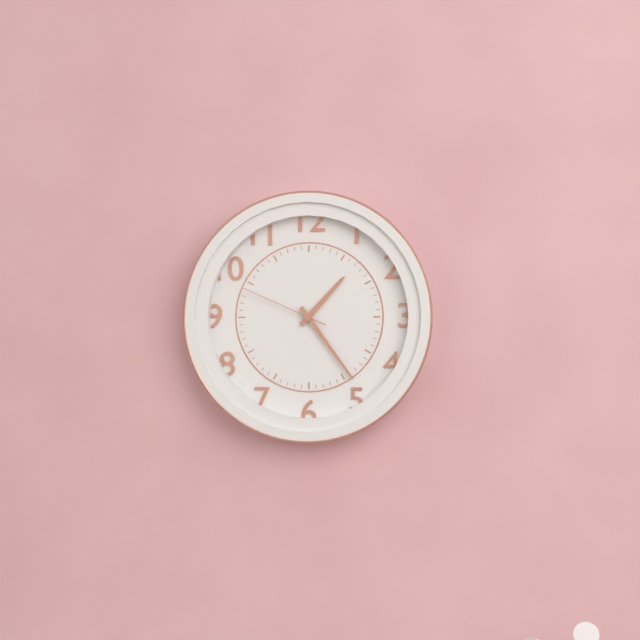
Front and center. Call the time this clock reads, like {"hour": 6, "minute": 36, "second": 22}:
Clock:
{"hour": 1, "minute": 24, "second": 49}
